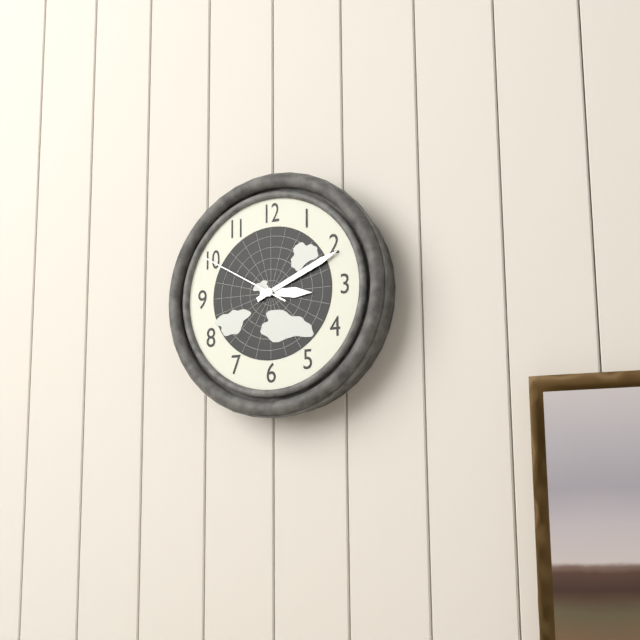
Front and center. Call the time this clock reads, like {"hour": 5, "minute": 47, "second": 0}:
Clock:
{"hour": 3, "minute": 11, "second": 50}
